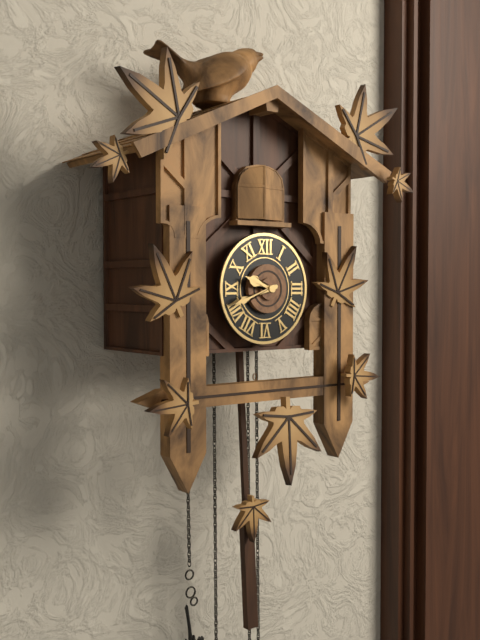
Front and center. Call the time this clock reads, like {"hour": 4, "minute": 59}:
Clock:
{"hour": 9, "minute": 42}
